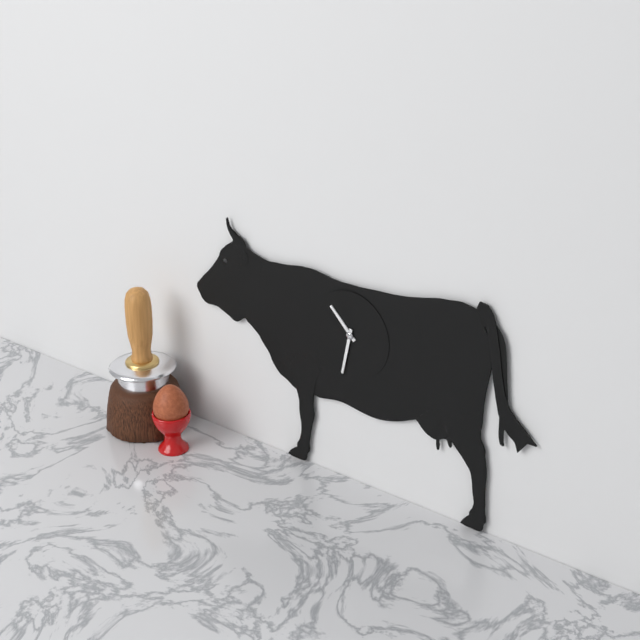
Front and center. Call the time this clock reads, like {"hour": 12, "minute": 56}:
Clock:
{"hour": 10, "minute": 32}
